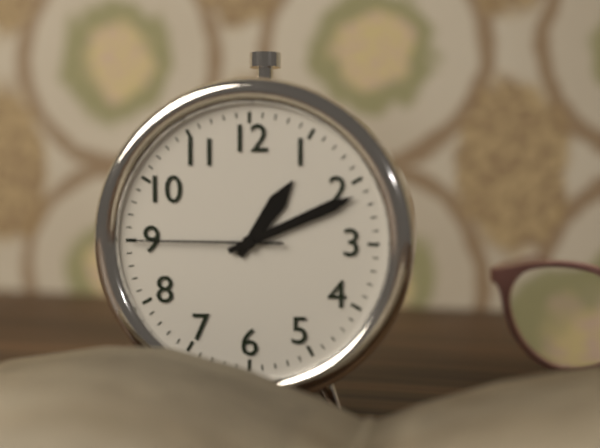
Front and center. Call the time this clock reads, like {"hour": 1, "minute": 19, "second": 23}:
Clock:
{"hour": 1, "minute": 11, "second": 45}
